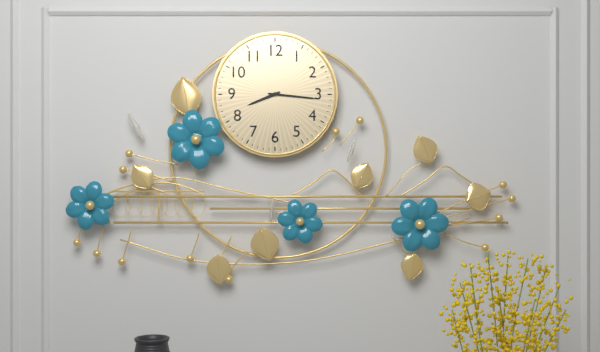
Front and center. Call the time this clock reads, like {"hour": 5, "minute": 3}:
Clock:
{"hour": 8, "minute": 16}
